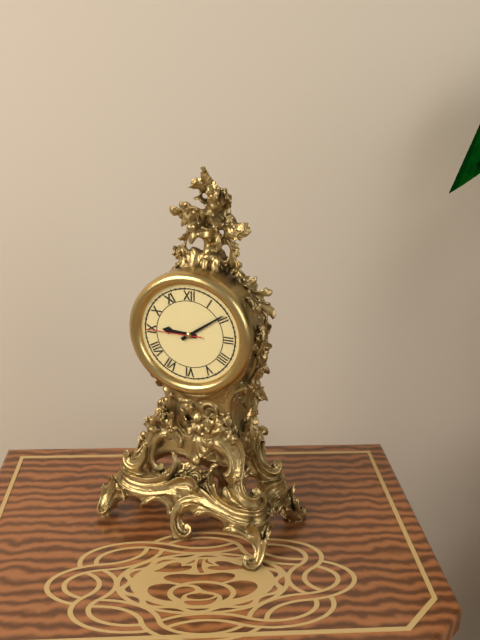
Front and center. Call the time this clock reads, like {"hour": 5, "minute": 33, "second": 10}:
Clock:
{"hour": 9, "minute": 9, "second": 45}
